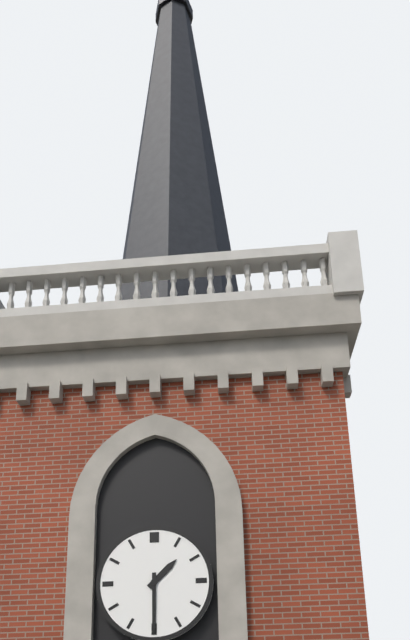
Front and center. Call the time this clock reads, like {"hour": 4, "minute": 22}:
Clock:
{"hour": 1, "minute": 30}
